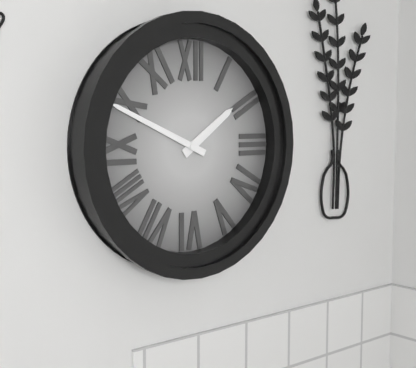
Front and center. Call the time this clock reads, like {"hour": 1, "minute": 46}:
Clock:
{"hour": 1, "minute": 49}
